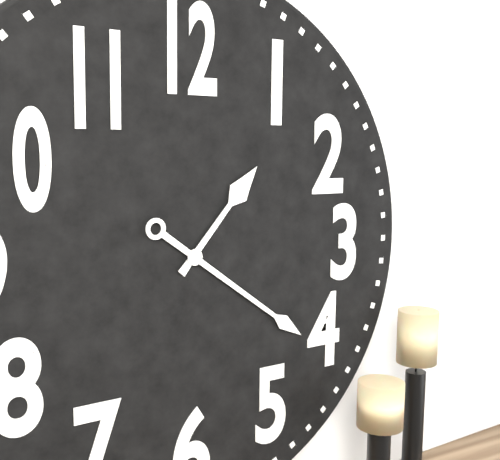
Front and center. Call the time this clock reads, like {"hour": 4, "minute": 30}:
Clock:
{"hour": 1, "minute": 21}
